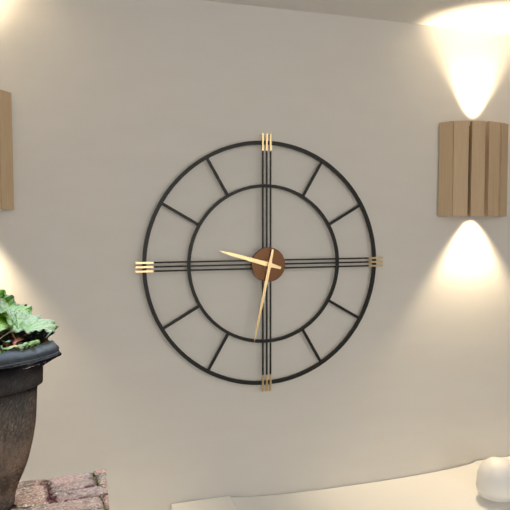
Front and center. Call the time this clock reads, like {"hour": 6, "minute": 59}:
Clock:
{"hour": 9, "minute": 32}
